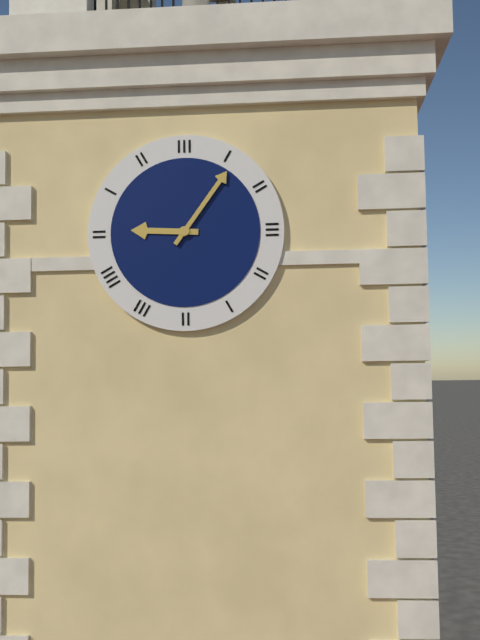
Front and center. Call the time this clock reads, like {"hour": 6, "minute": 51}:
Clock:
{"hour": 9, "minute": 6}
